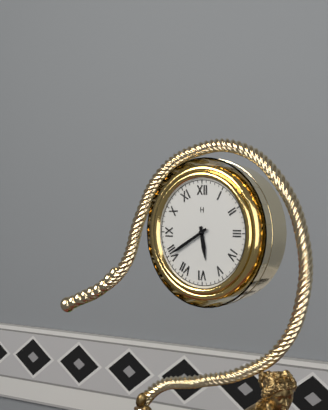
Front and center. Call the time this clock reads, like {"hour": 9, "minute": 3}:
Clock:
{"hour": 5, "minute": 40}
